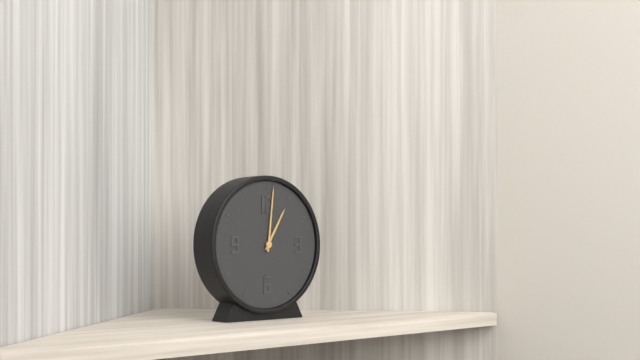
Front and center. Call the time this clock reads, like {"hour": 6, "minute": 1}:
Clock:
{"hour": 1, "minute": 1}
